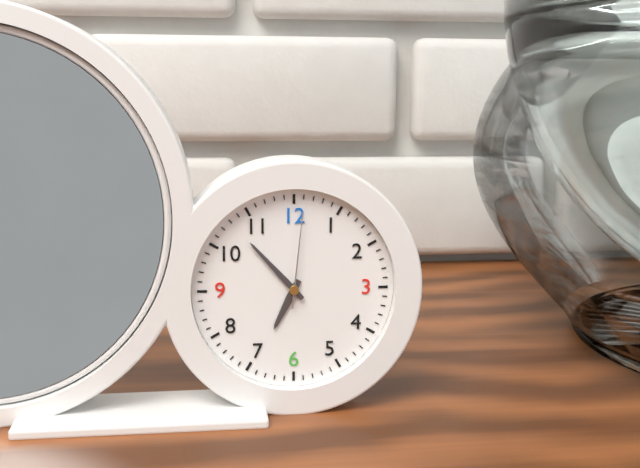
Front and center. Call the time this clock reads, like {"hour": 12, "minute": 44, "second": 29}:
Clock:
{"hour": 6, "minute": 53, "second": 1}
